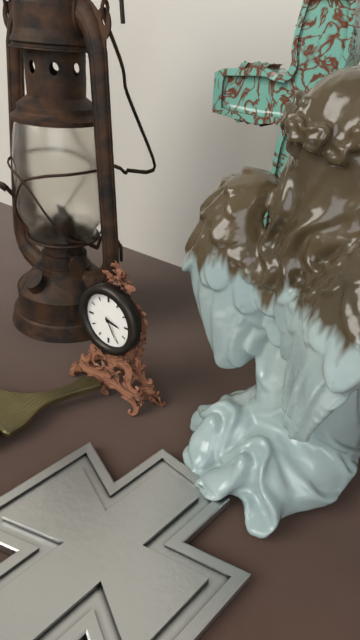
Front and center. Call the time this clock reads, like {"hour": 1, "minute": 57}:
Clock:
{"hour": 3, "minute": 25}
